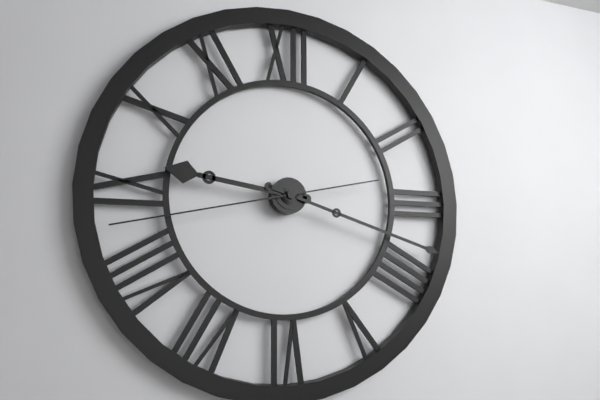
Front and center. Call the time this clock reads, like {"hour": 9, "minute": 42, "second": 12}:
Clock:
{"hour": 9, "minute": 18, "second": 43}
